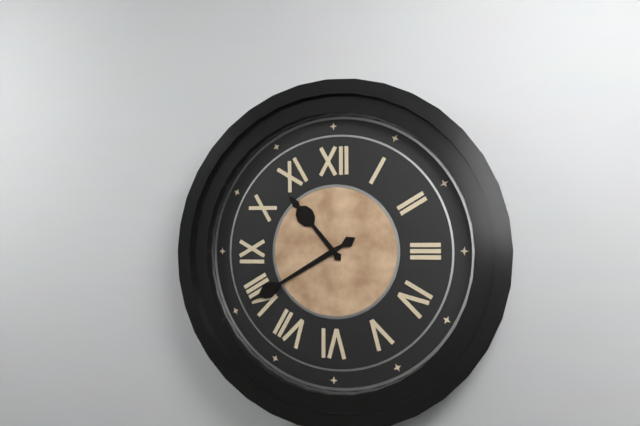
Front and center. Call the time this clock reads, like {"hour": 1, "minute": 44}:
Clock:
{"hour": 10, "minute": 40}
